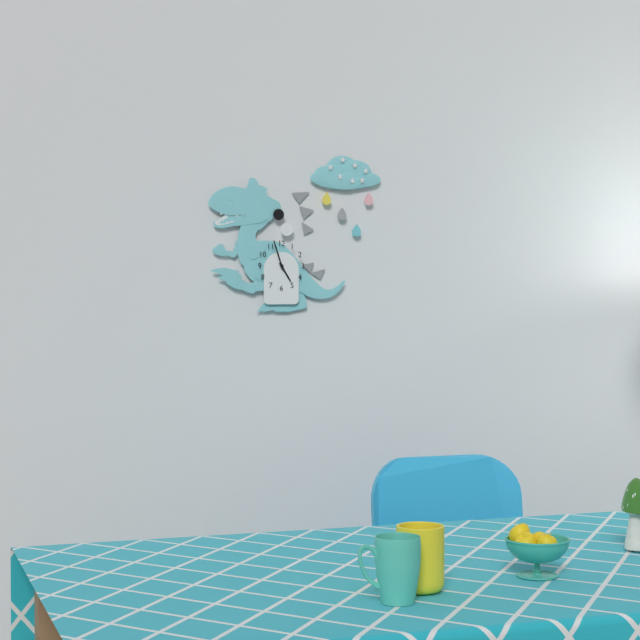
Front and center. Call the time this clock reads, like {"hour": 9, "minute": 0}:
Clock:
{"hour": 4, "minute": 57}
